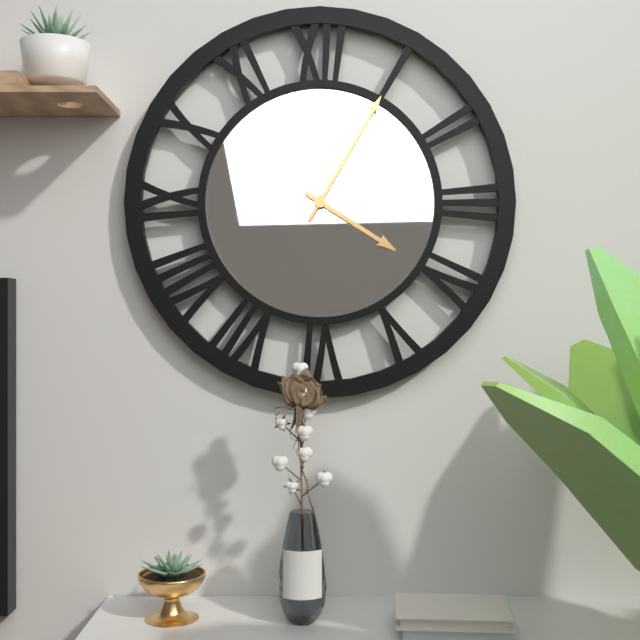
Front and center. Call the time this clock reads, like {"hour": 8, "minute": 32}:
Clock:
{"hour": 4, "minute": 5}
